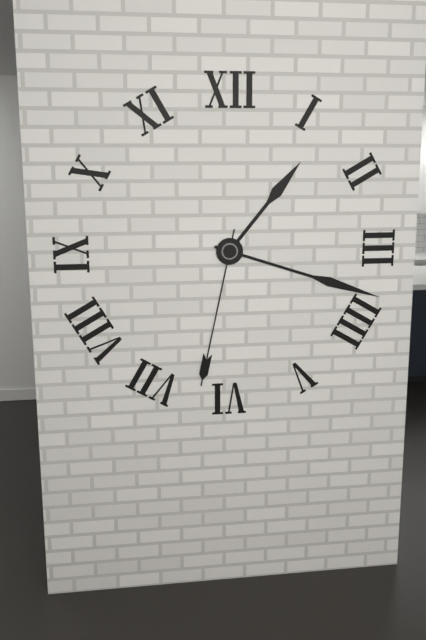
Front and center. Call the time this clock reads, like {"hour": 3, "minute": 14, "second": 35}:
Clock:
{"hour": 1, "minute": 18, "second": 32}
